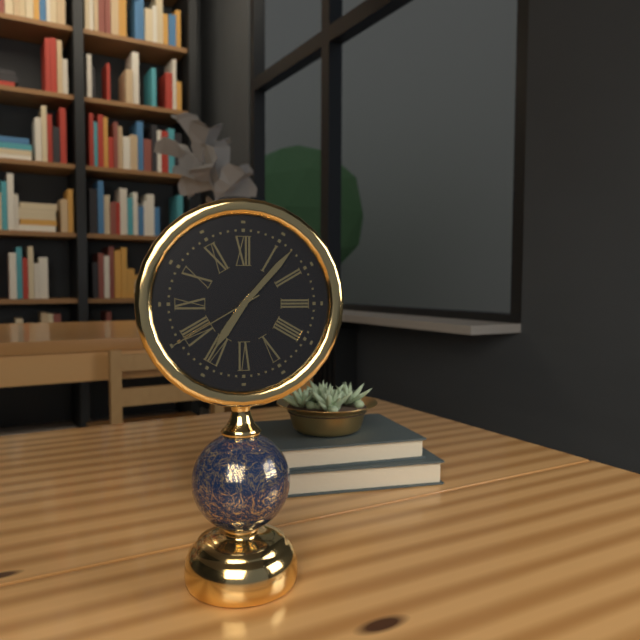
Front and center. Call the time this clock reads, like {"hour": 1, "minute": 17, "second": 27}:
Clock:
{"hour": 7, "minute": 7, "second": 40}
